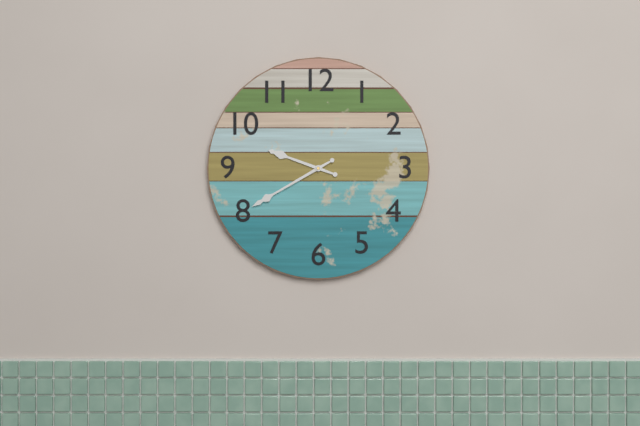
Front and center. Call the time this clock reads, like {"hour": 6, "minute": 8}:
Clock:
{"hour": 9, "minute": 40}
